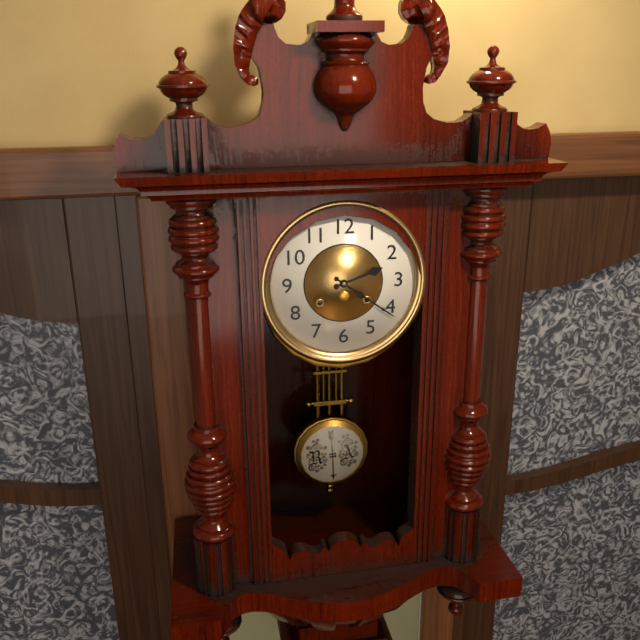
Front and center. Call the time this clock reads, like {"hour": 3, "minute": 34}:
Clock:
{"hour": 2, "minute": 21}
